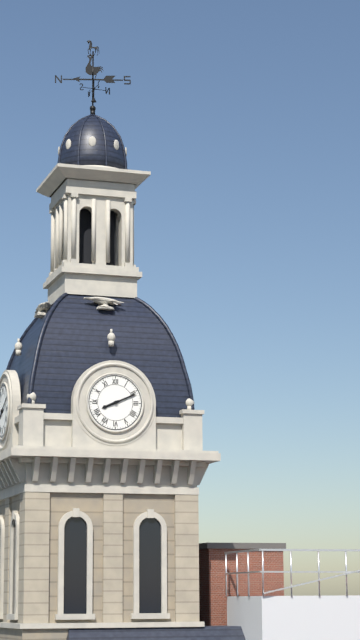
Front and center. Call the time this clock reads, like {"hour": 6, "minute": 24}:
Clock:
{"hour": 8, "minute": 11}
